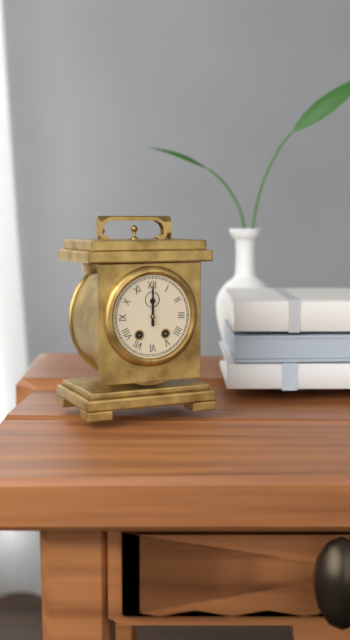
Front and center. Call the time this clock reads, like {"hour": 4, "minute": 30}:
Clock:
{"hour": 12, "minute": 0}
